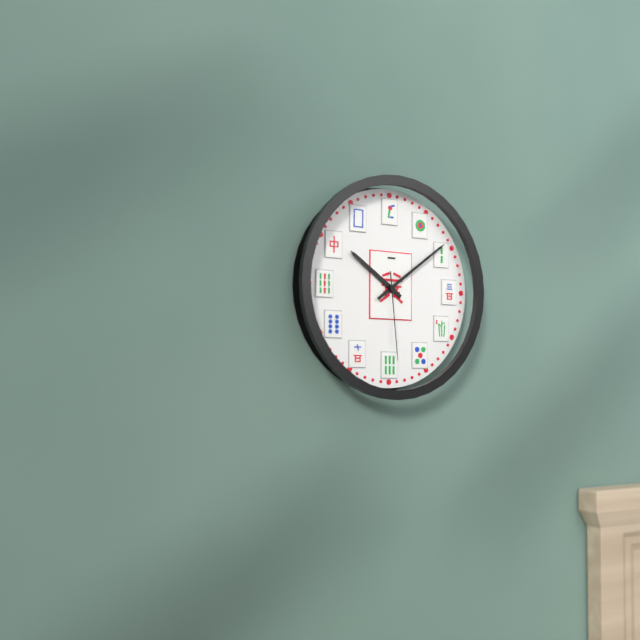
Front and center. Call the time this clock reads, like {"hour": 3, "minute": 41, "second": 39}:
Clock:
{"hour": 10, "minute": 9, "second": 29}
